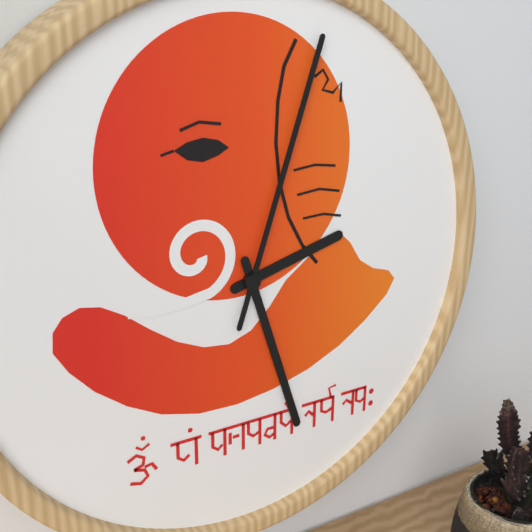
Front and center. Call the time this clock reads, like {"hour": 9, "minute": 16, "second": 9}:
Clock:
{"hour": 2, "minute": 27, "second": 3}
